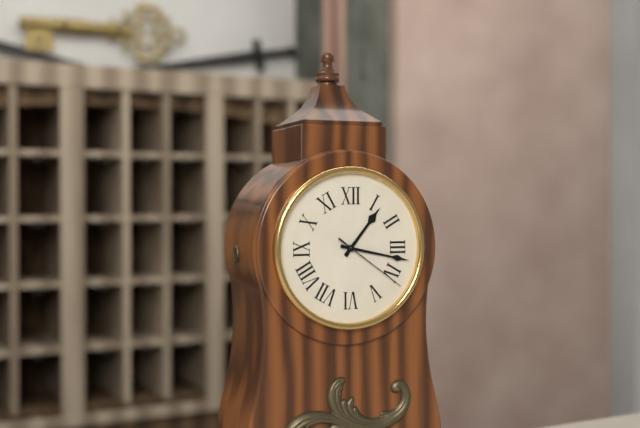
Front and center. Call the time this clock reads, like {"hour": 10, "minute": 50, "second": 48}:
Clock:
{"hour": 1, "minute": 17, "second": 21}
